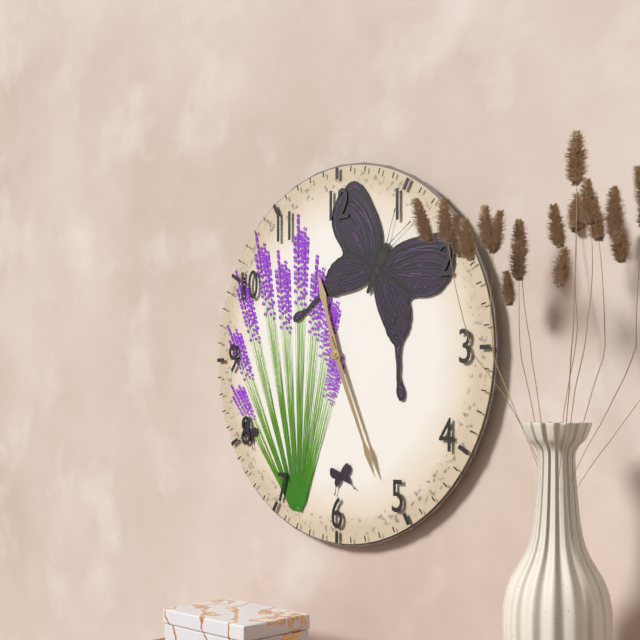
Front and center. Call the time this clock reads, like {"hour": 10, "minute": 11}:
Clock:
{"hour": 11, "minute": 26}
